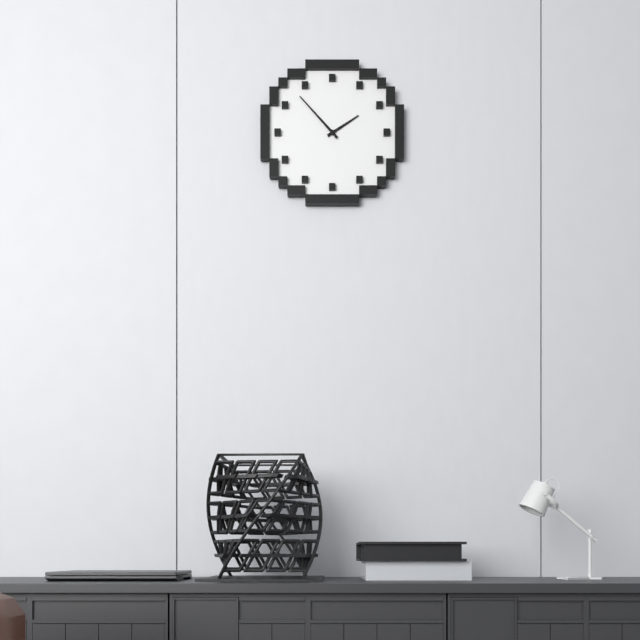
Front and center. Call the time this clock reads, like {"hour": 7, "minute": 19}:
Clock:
{"hour": 1, "minute": 53}
